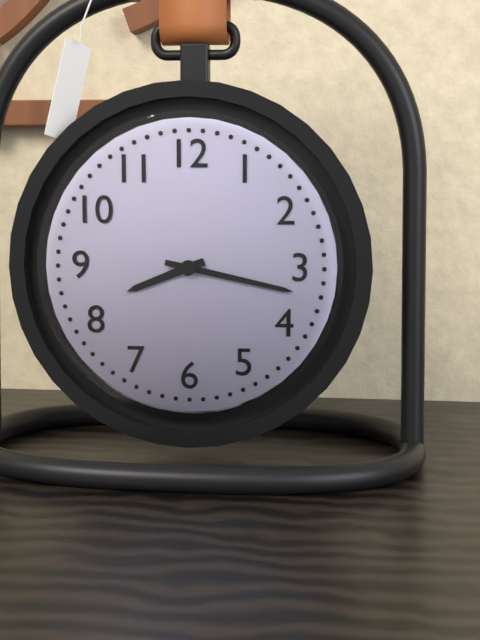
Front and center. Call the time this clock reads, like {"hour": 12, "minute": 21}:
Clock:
{"hour": 8, "minute": 17}
